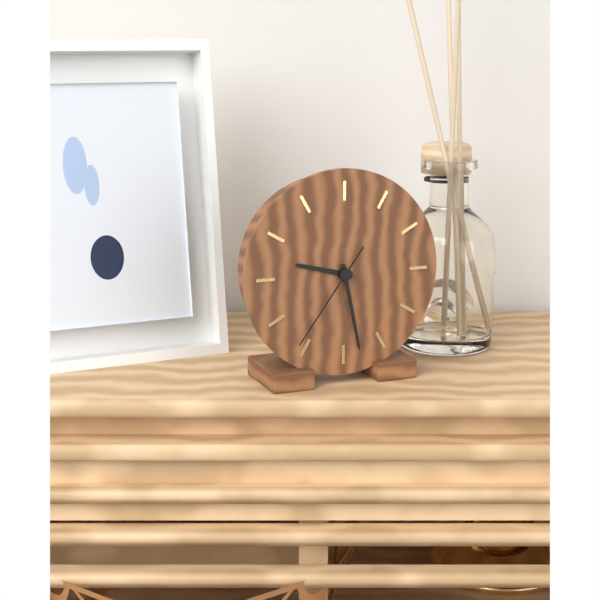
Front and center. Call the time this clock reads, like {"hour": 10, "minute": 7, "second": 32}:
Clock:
{"hour": 9, "minute": 28, "second": 36}
